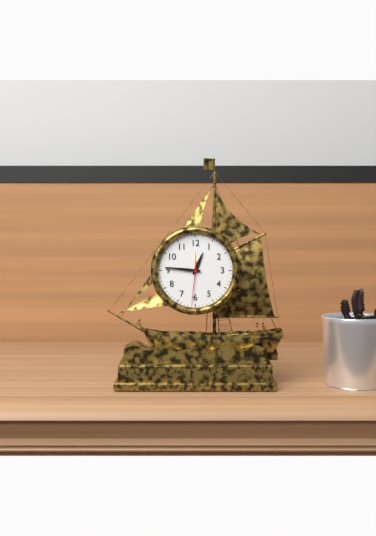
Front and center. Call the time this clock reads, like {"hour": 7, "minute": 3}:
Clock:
{"hour": 12, "minute": 46}
